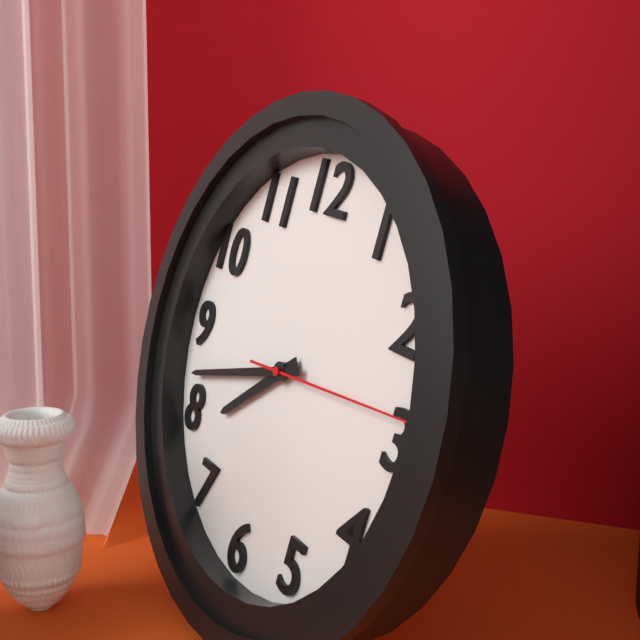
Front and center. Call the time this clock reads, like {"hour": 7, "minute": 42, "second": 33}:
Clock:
{"hour": 7, "minute": 42, "second": 14}
